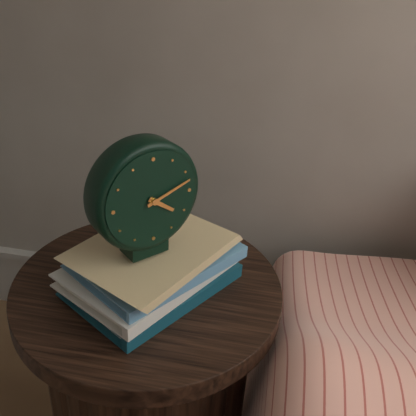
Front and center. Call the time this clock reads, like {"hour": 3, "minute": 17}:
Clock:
{"hour": 4, "minute": 12}
